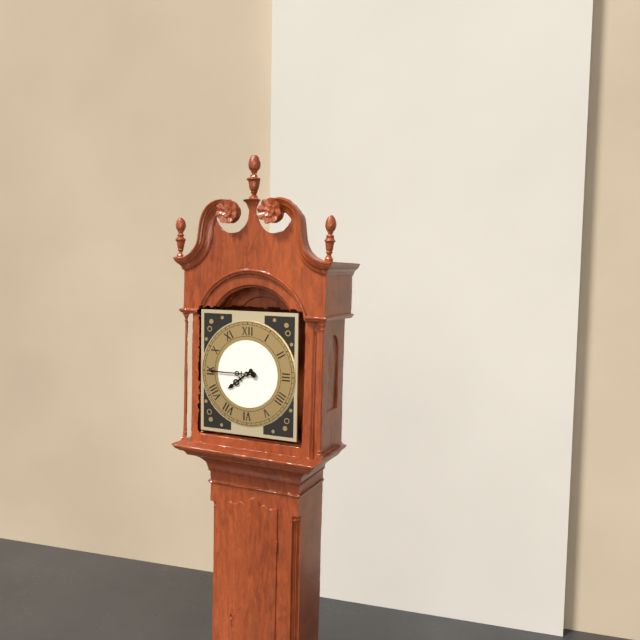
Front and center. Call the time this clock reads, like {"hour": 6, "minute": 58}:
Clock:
{"hour": 7, "minute": 45}
